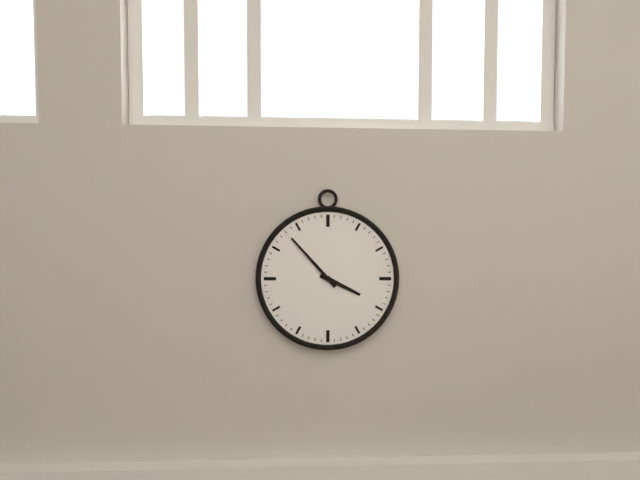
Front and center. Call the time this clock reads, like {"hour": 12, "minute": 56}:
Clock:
{"hour": 3, "minute": 53}
